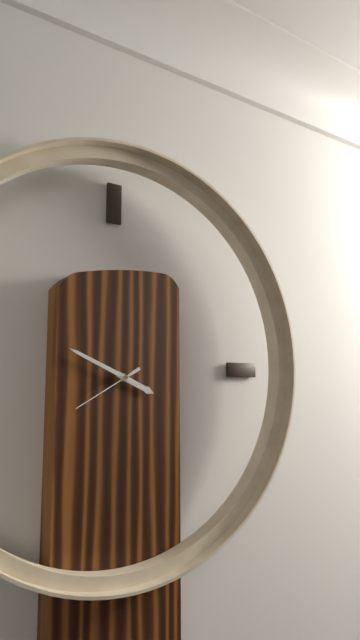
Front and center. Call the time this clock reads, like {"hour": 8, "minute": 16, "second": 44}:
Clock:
{"hour": 3, "minute": 49, "second": 40}
